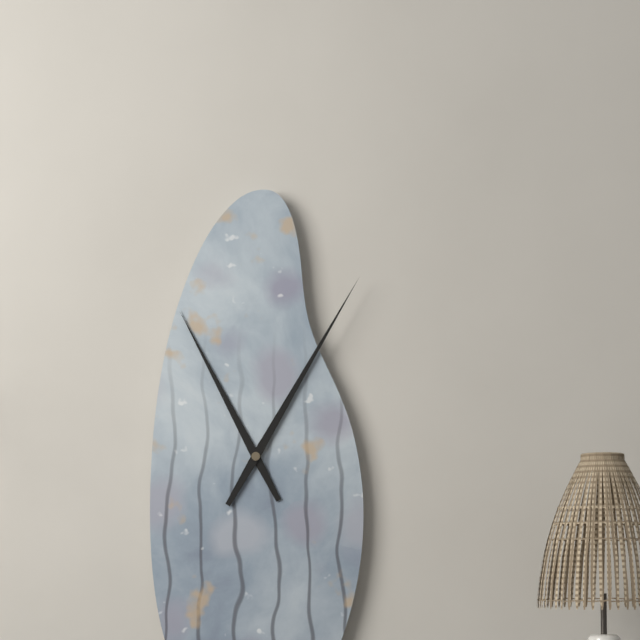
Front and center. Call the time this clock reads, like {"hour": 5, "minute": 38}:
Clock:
{"hour": 11, "minute": 5}
